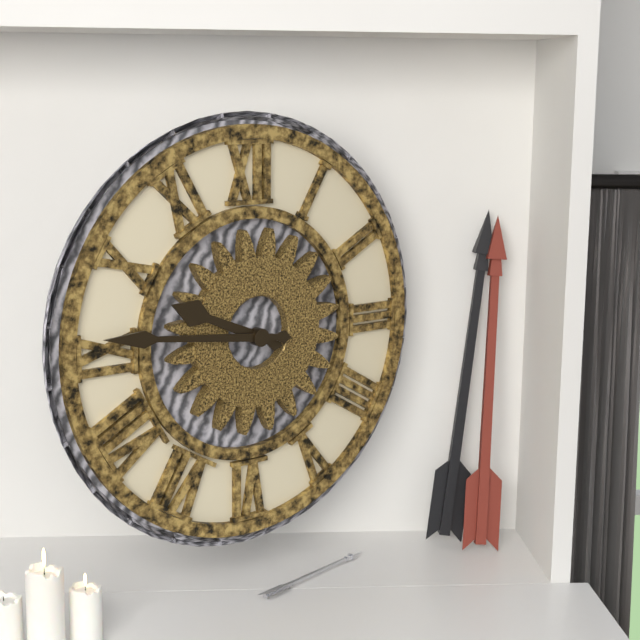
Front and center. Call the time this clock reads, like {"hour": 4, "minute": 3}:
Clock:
{"hour": 9, "minute": 46}
